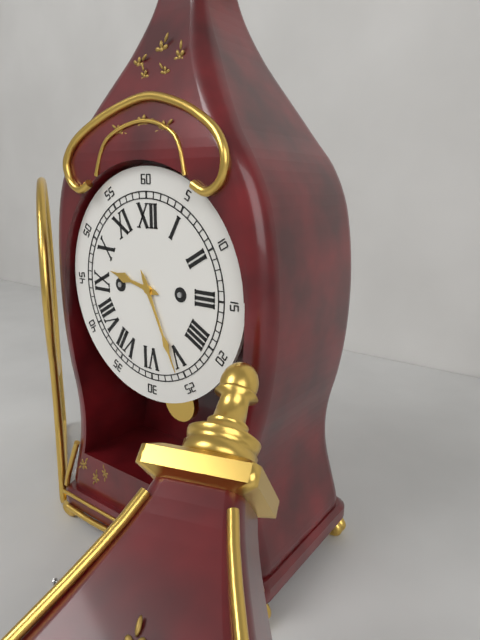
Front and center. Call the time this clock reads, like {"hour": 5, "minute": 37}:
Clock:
{"hour": 9, "minute": 26}
